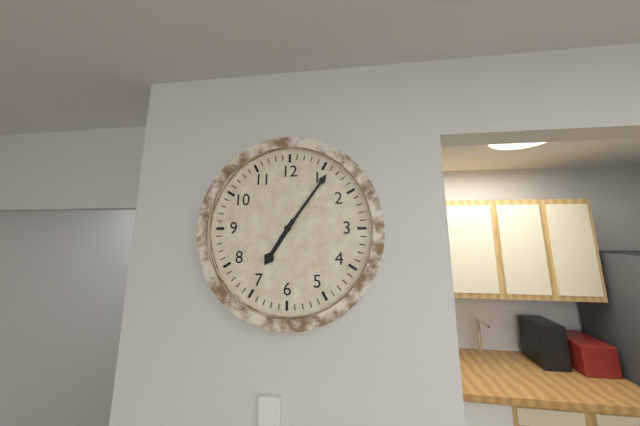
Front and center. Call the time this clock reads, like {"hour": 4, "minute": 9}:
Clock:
{"hour": 7, "minute": 6}
